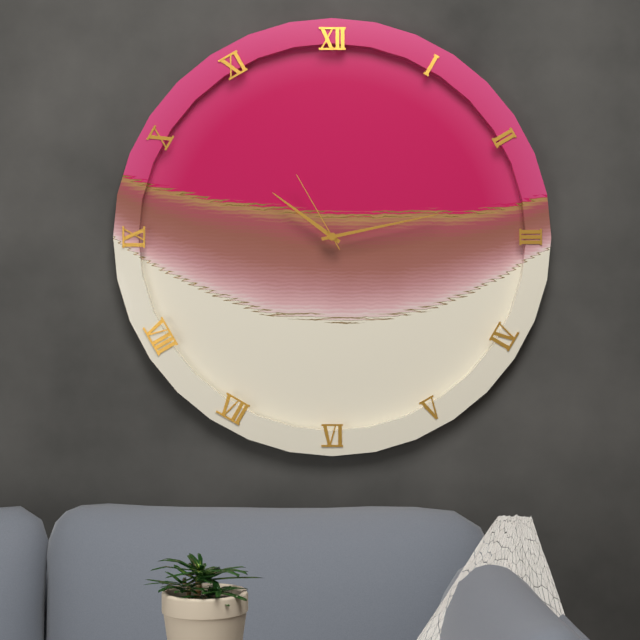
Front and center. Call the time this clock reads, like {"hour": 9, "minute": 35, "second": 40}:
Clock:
{"hour": 10, "minute": 13, "second": 55}
